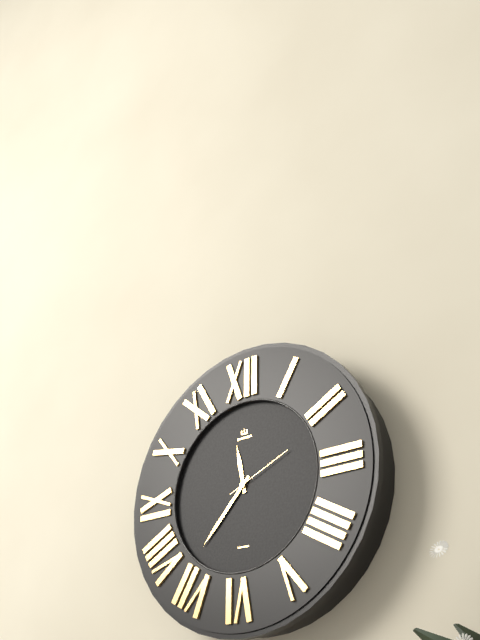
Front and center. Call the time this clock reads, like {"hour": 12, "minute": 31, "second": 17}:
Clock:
{"hour": 11, "minute": 37, "second": 11}
